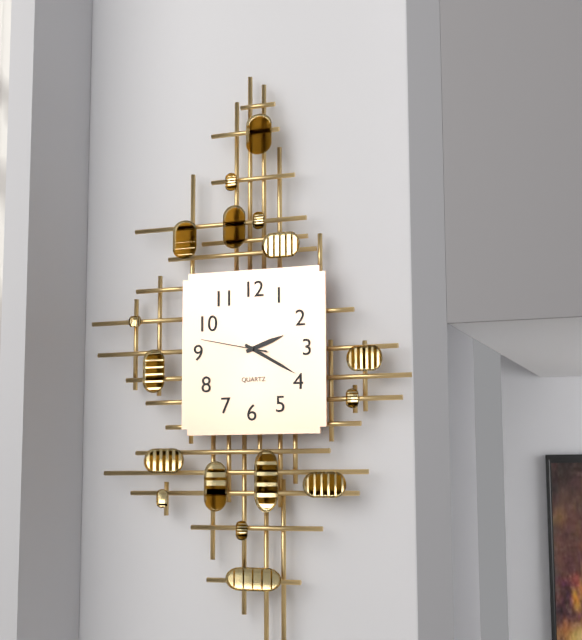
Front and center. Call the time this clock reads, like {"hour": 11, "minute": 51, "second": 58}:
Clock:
{"hour": 2, "minute": 20, "second": 47}
